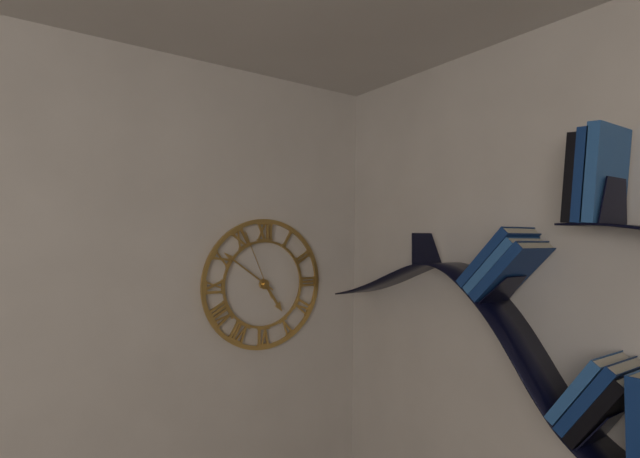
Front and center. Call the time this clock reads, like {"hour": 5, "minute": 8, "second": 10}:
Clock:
{"hour": 4, "minute": 51, "second": 56}
